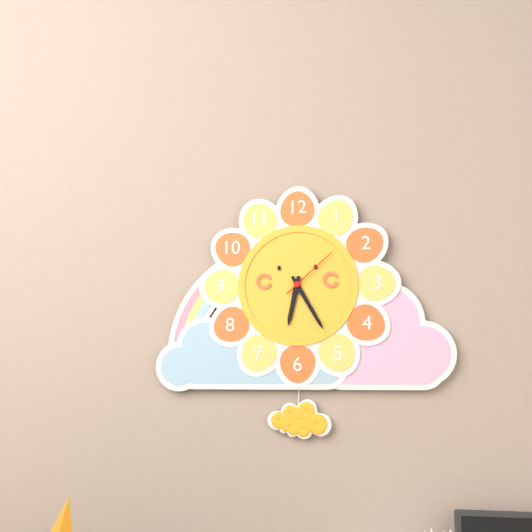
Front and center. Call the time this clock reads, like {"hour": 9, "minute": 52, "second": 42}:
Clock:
{"hour": 6, "minute": 25, "second": 8}
